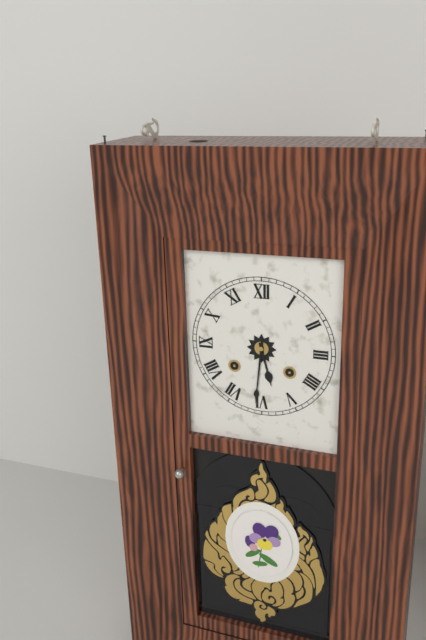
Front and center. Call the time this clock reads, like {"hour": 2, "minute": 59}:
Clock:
{"hour": 5, "minute": 31}
